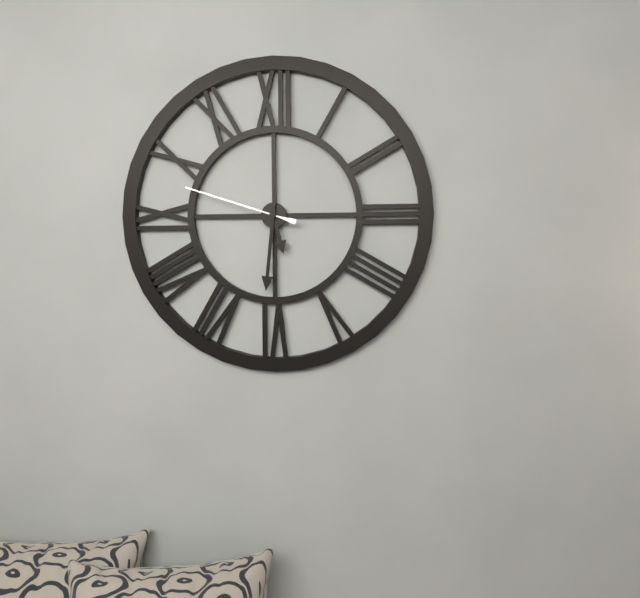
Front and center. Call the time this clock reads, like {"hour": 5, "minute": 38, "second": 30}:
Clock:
{"hour": 5, "minute": 31, "second": 48}
